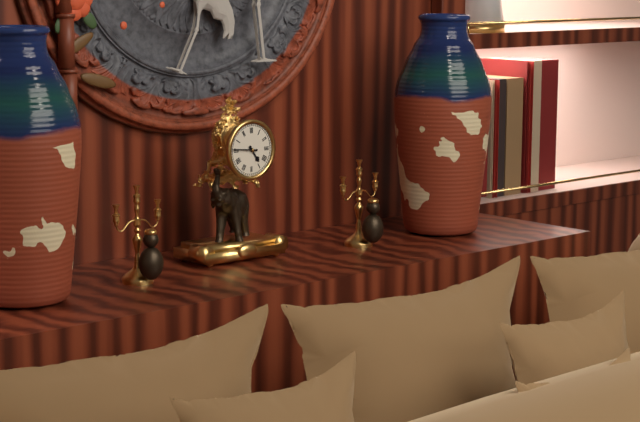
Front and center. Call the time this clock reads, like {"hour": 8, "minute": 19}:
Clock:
{"hour": 4, "minute": 46}
